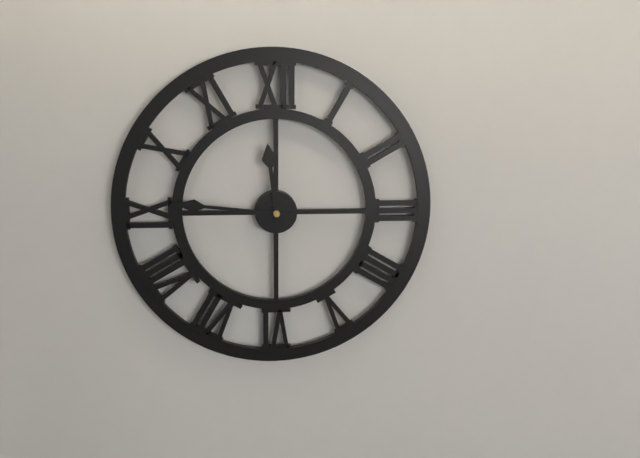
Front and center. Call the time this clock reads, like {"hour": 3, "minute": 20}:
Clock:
{"hour": 11, "minute": 46}
